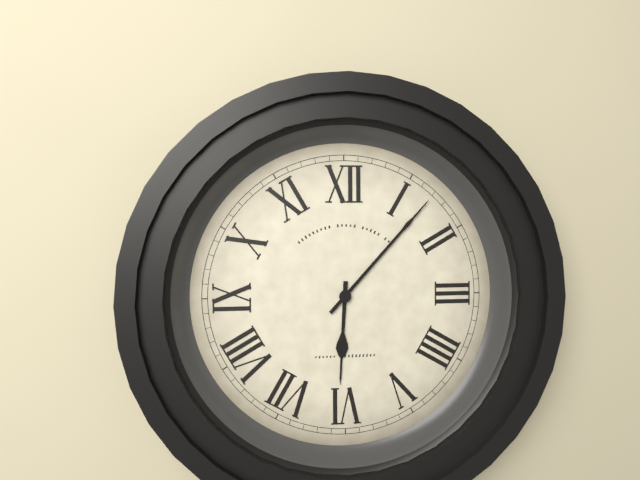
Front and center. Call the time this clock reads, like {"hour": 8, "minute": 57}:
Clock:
{"hour": 6, "minute": 7}
